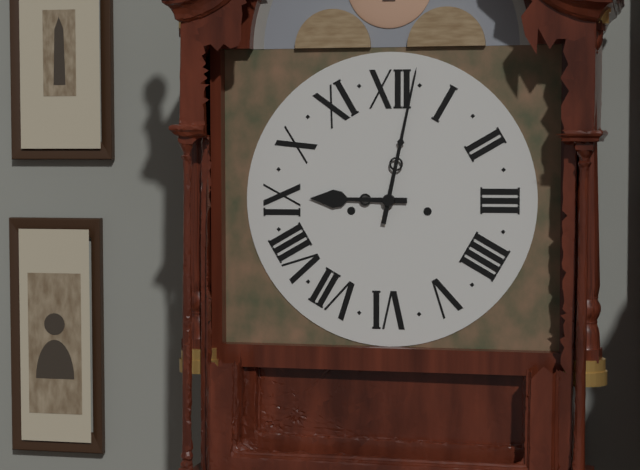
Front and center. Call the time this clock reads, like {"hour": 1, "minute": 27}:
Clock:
{"hour": 9, "minute": 2}
